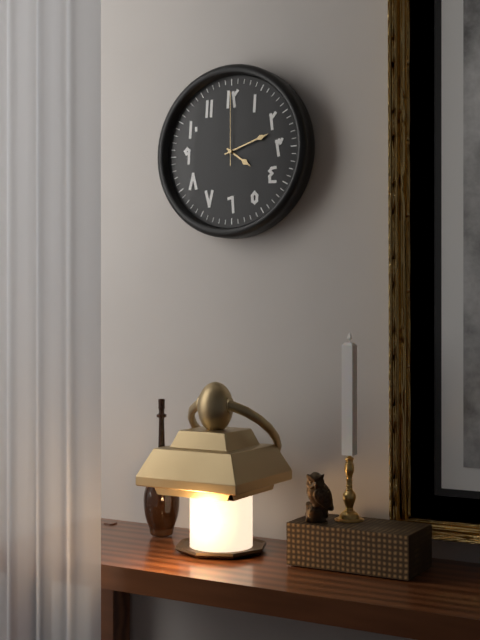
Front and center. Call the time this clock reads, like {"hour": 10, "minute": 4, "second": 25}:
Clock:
{"hour": 4, "minute": 12, "second": 0}
